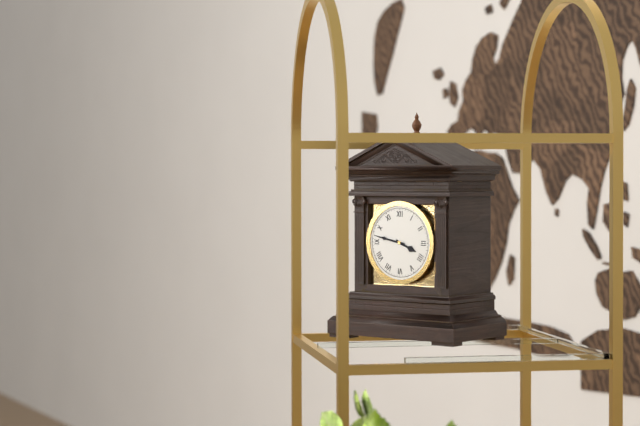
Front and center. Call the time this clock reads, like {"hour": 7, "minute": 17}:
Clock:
{"hour": 3, "minute": 47}
